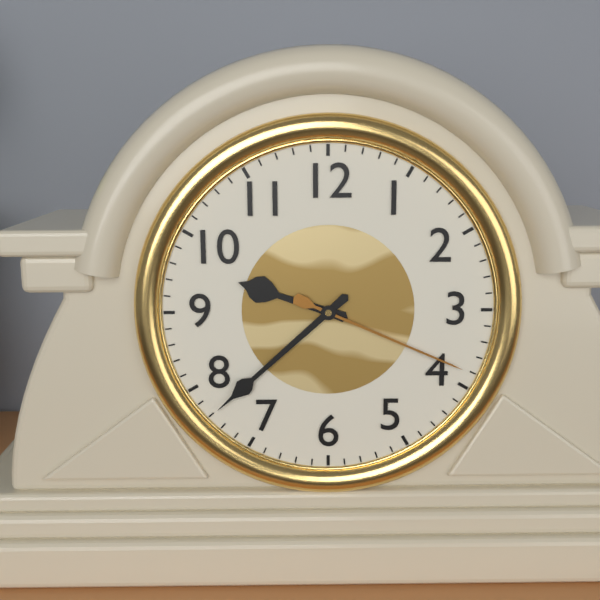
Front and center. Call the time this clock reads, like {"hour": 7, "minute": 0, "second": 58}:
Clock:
{"hour": 9, "minute": 38, "second": 19}
